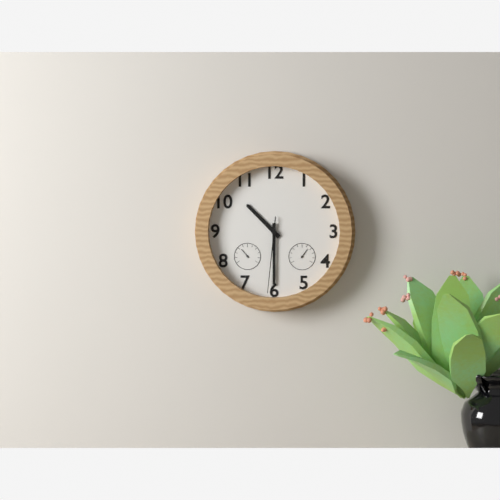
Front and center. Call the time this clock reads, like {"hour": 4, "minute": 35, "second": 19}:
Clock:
{"hour": 10, "minute": 30, "second": 31}
